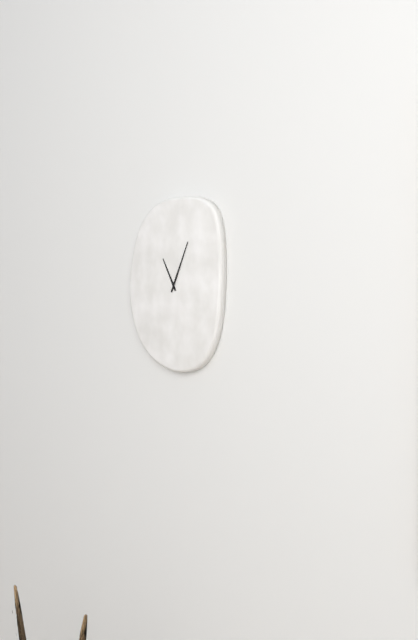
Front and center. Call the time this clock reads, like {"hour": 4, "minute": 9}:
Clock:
{"hour": 11, "minute": 4}
